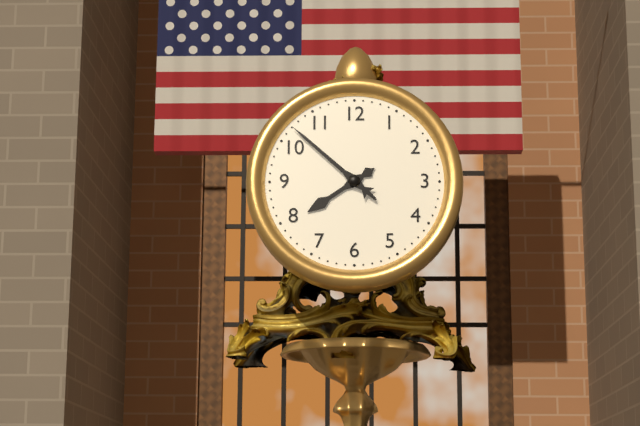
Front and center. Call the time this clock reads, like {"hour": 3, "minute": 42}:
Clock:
{"hour": 7, "minute": 52}
